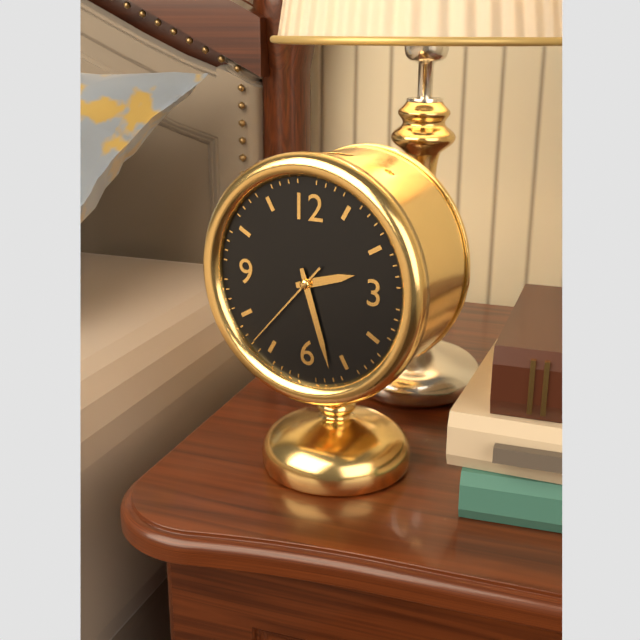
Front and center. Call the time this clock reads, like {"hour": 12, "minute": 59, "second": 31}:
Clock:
{"hour": 2, "minute": 27, "second": 37}
